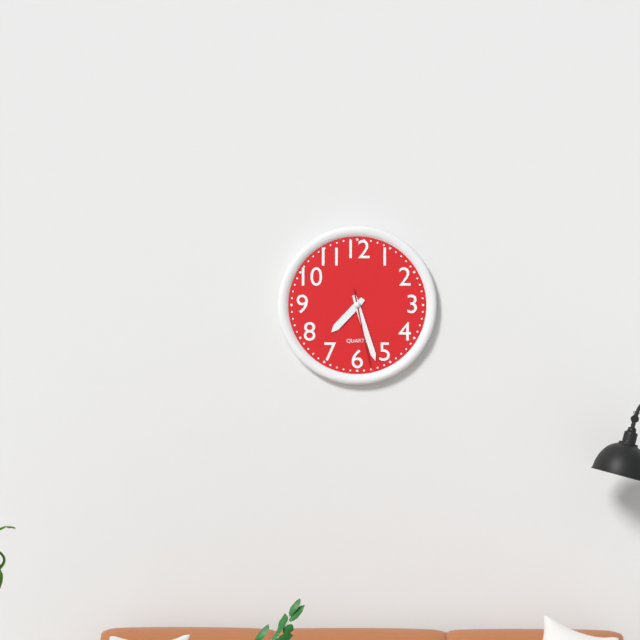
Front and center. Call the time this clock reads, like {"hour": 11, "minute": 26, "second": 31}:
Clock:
{"hour": 7, "minute": 27, "second": 28}
